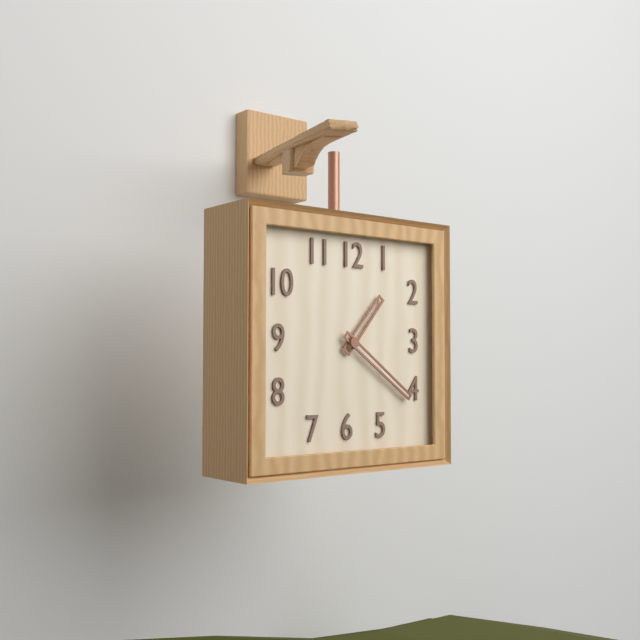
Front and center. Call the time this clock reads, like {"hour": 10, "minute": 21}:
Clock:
{"hour": 1, "minute": 21}
